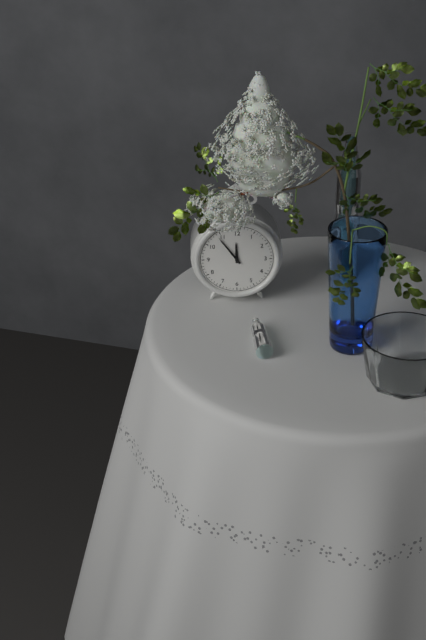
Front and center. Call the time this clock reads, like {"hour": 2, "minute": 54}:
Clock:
{"hour": 11, "minute": 54}
